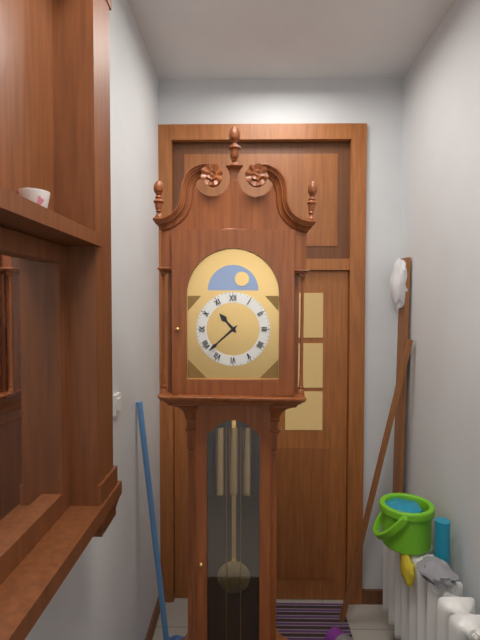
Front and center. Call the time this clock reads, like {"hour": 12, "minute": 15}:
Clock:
{"hour": 10, "minute": 38}
